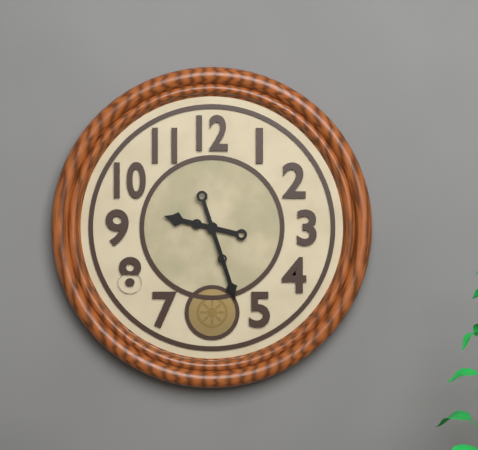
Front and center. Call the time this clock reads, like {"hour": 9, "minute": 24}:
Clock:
{"hour": 9, "minute": 27}
